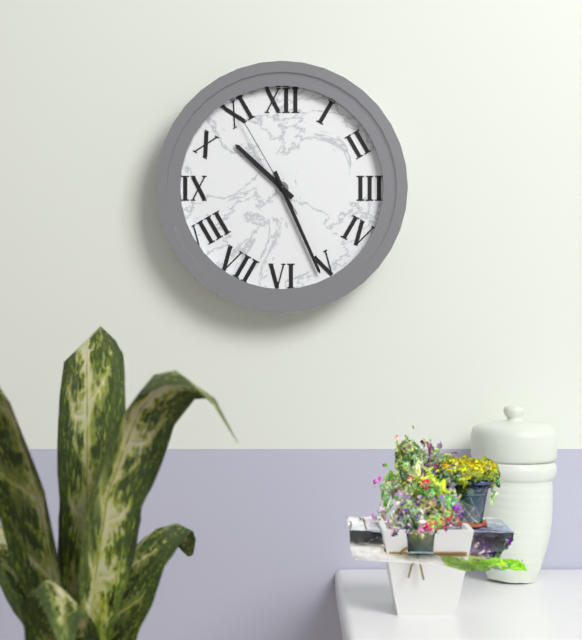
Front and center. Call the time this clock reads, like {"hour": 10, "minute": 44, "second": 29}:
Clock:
{"hour": 10, "minute": 26, "second": 55}
